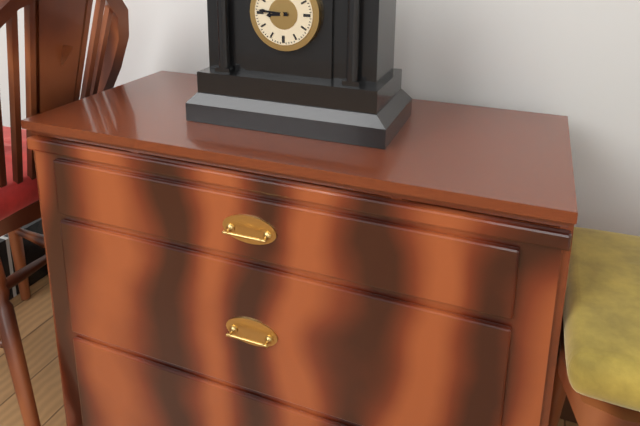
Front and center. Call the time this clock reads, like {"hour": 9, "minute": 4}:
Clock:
{"hour": 8, "minute": 46}
